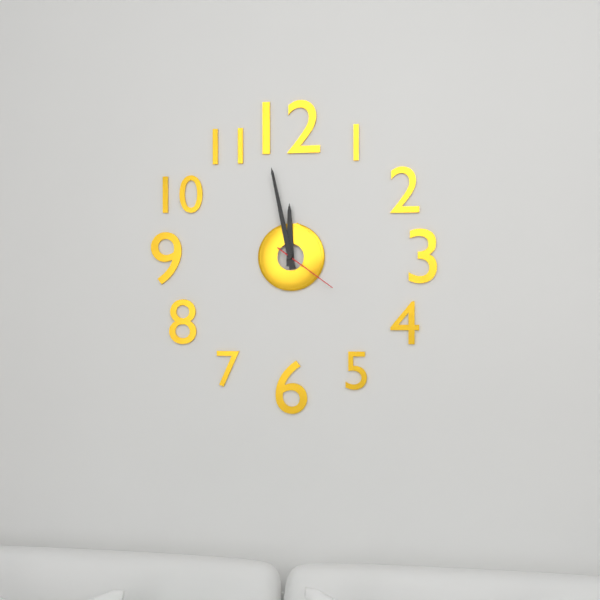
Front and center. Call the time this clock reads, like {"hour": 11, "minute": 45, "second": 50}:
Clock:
{"hour": 11, "minute": 58, "second": 21}
